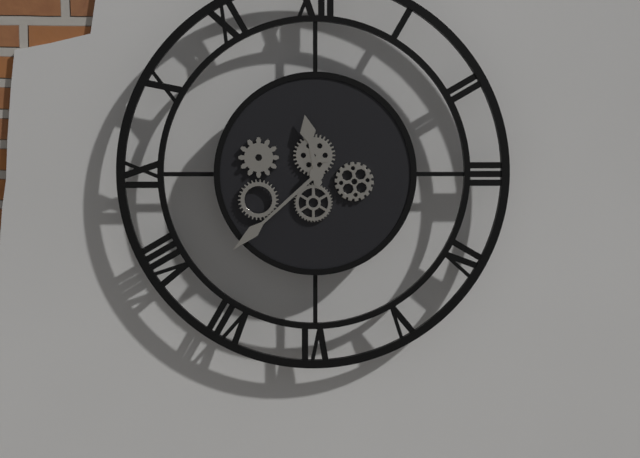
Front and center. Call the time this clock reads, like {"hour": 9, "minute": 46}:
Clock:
{"hour": 11, "minute": 38}
